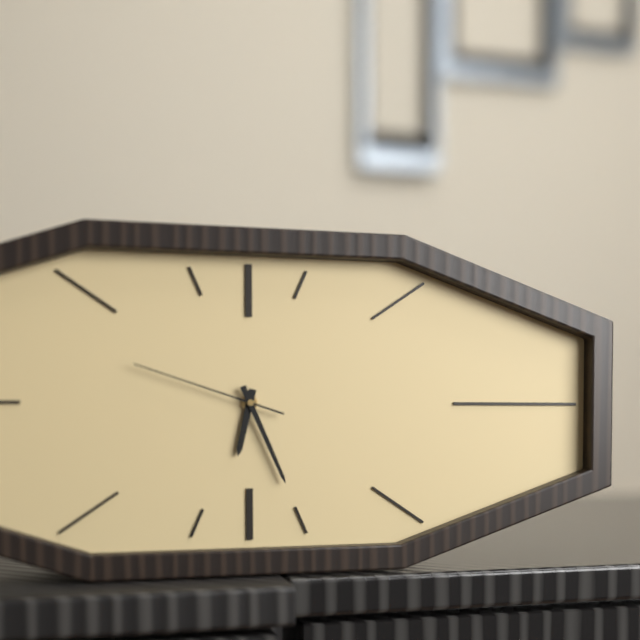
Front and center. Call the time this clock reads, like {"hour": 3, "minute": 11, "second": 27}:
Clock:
{"hour": 6, "minute": 26, "second": 48}
